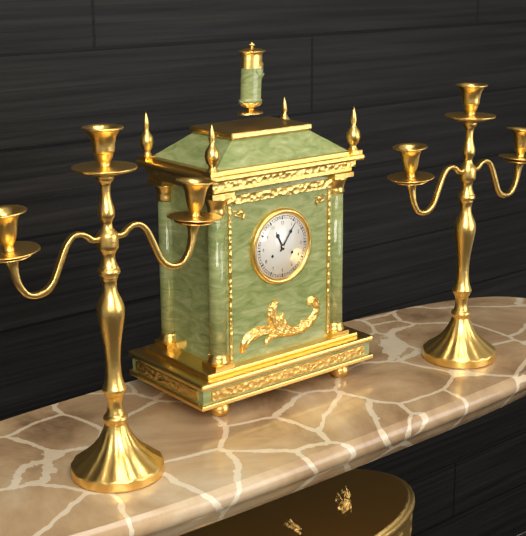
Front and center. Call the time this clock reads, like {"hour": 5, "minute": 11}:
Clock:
{"hour": 11, "minute": 6}
